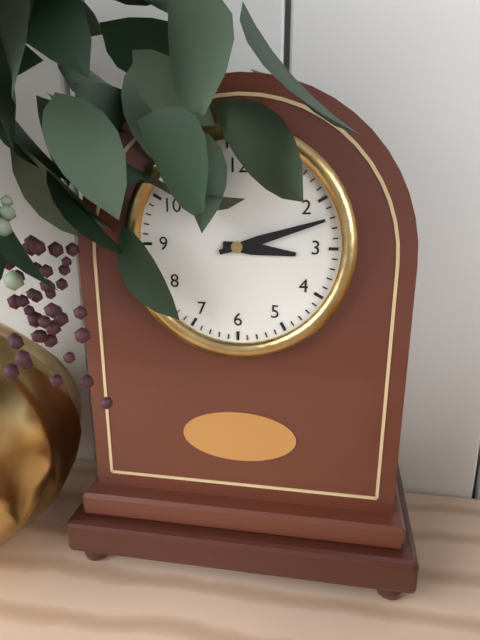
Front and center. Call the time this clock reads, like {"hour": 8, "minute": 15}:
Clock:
{"hour": 3, "minute": 12}
